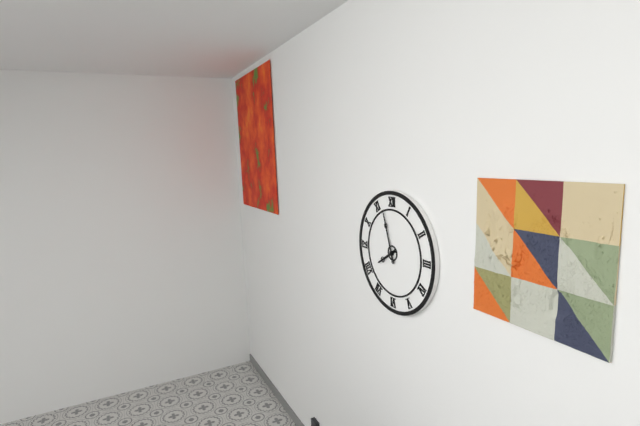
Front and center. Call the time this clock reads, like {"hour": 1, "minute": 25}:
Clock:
{"hour": 7, "minute": 57}
